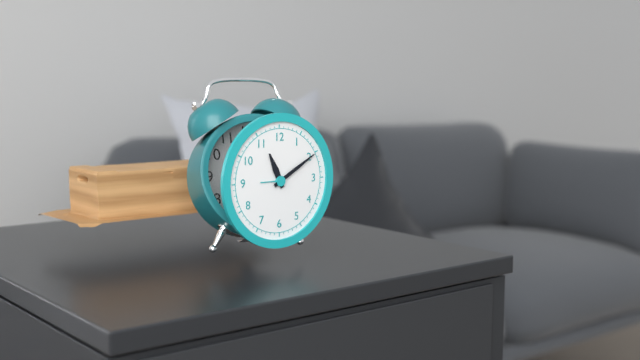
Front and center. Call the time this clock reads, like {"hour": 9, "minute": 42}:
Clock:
{"hour": 11, "minute": 10}
